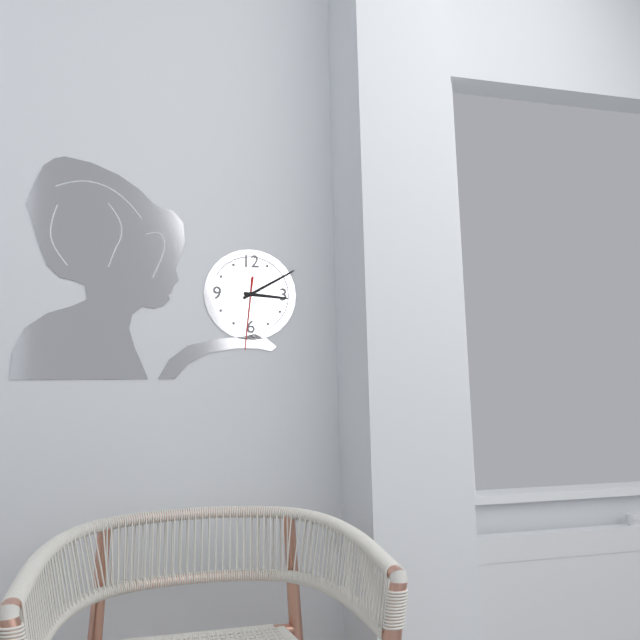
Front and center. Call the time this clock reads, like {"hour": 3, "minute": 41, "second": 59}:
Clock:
{"hour": 3, "minute": 10, "second": 31}
